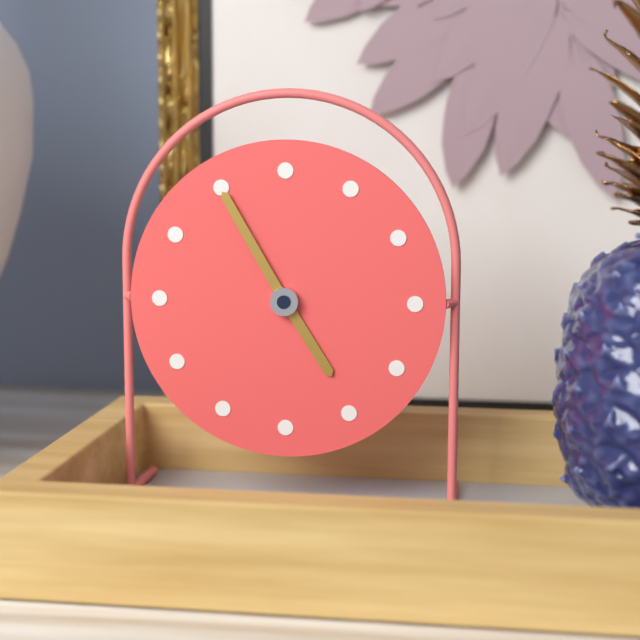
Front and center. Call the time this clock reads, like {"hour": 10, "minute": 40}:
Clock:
{"hour": 4, "minute": 55}
